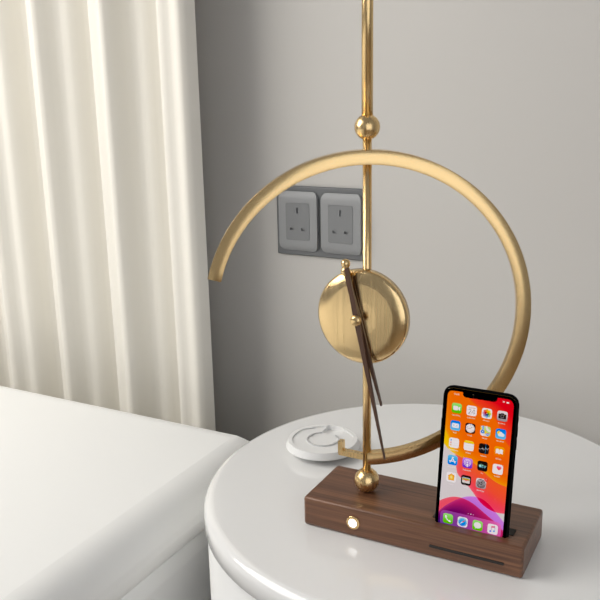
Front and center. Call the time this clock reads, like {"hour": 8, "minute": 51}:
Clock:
{"hour": 5, "minute": 28}
